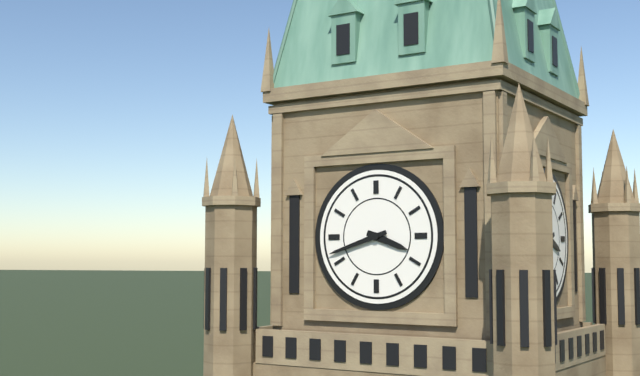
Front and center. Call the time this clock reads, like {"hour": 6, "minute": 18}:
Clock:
{"hour": 3, "minute": 42}
